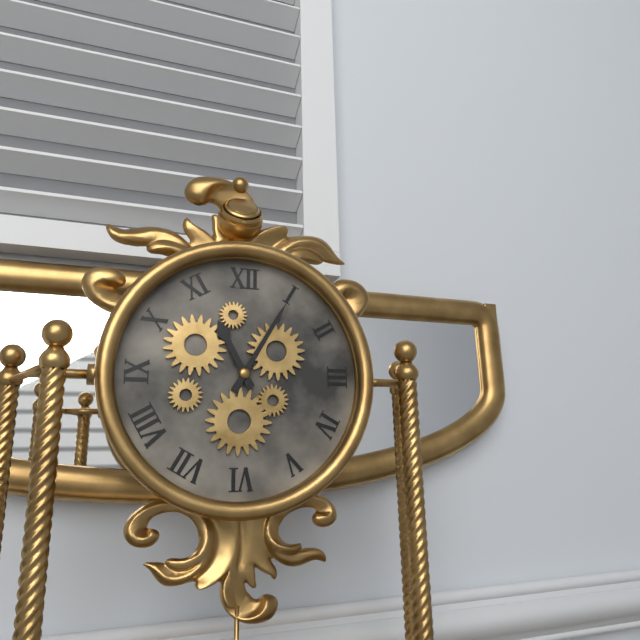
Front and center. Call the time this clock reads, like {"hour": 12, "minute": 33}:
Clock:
{"hour": 11, "minute": 5}
